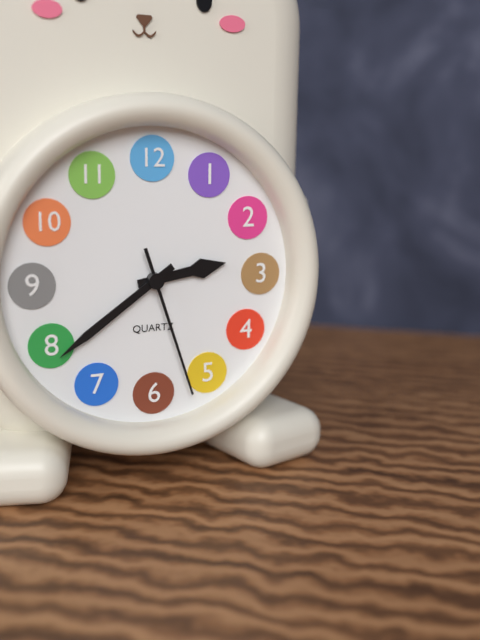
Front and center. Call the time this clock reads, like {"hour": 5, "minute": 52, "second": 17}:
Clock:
{"hour": 2, "minute": 39, "second": 27}
